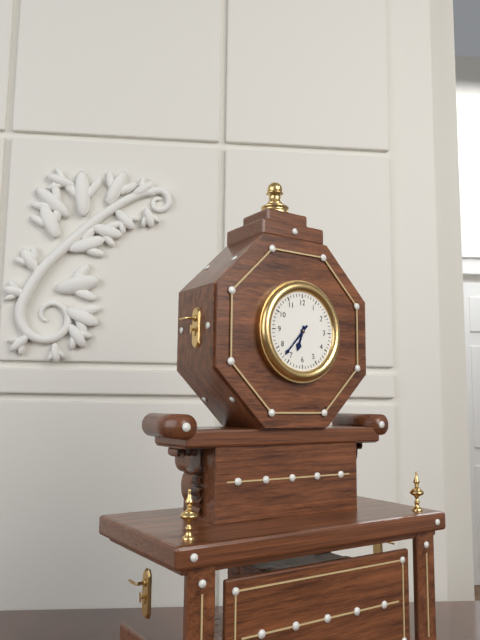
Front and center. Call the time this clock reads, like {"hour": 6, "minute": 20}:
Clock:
{"hour": 6, "minute": 37}
